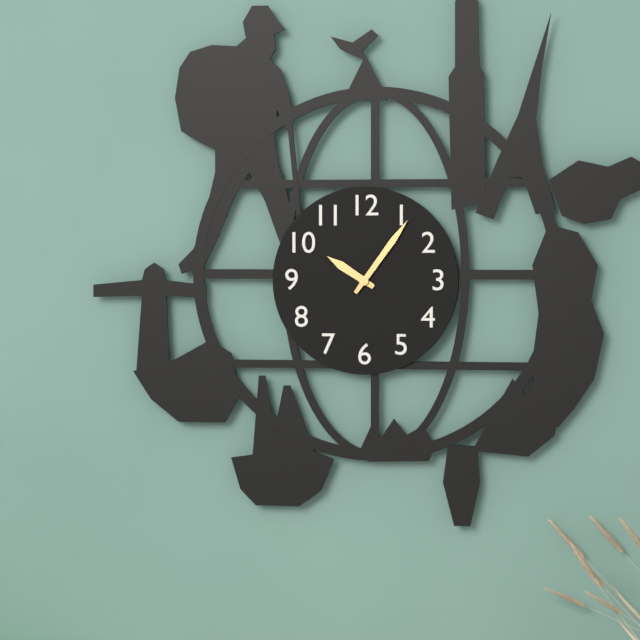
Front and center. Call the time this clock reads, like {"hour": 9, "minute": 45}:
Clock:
{"hour": 10, "minute": 6}
